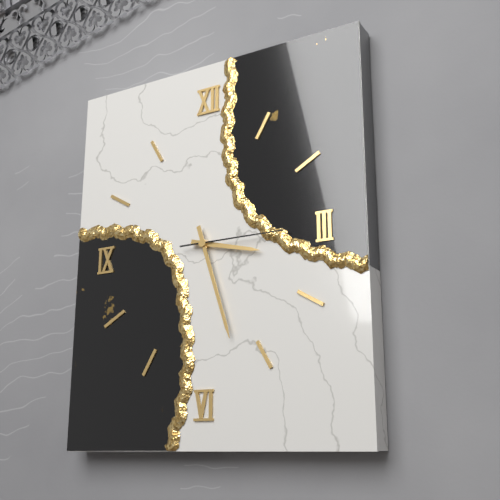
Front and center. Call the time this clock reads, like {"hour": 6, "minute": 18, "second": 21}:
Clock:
{"hour": 3, "minute": 27, "second": 15}
